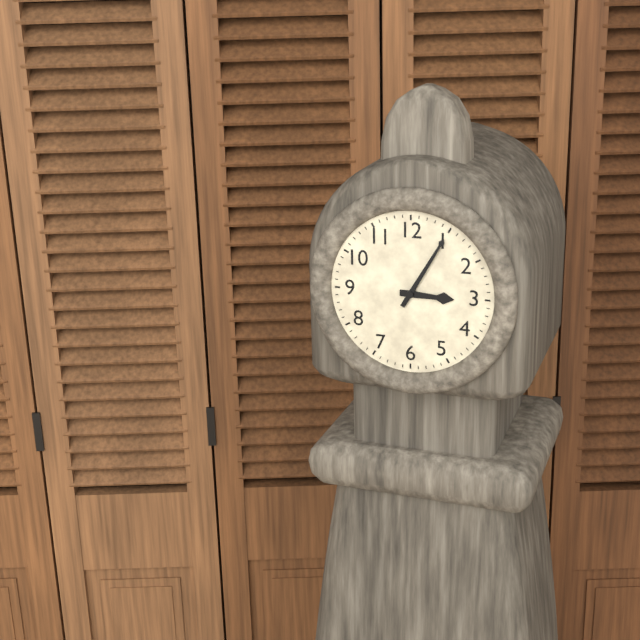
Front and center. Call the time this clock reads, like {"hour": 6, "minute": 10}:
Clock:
{"hour": 3, "minute": 5}
